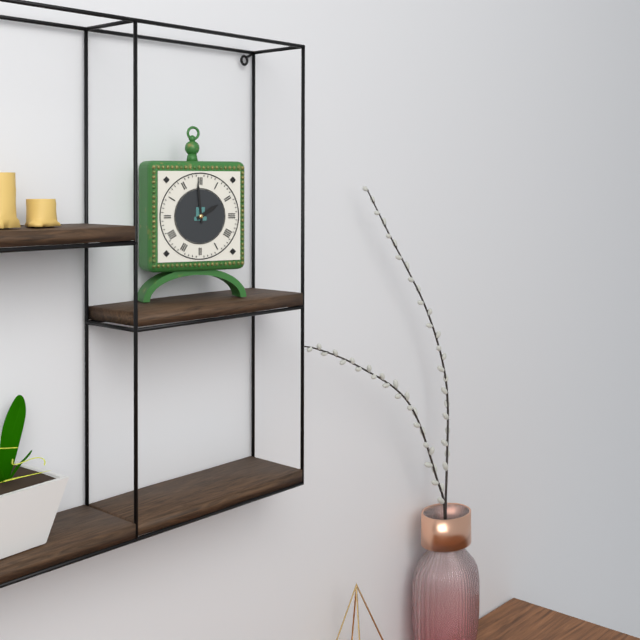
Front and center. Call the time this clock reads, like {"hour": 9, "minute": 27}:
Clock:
{"hour": 1, "minute": 59}
